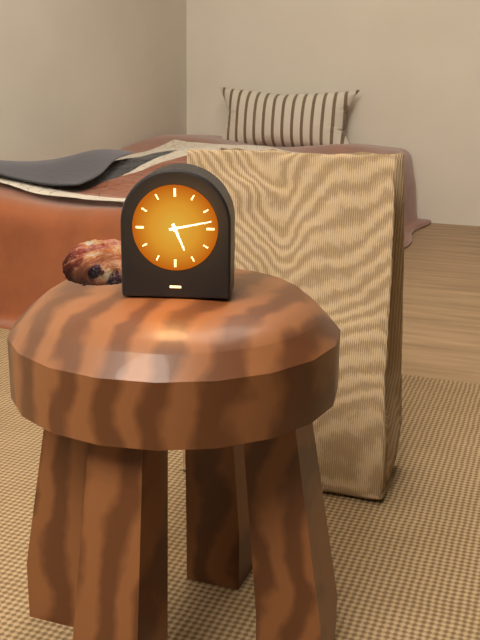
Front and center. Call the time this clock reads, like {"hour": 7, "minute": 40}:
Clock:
{"hour": 5, "minute": 13}
